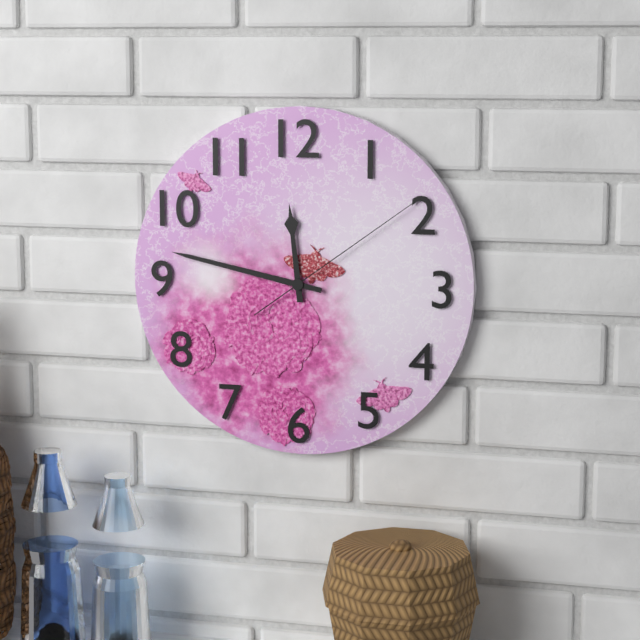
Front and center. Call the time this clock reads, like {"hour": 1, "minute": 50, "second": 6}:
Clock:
{"hour": 11, "minute": 47, "second": 9}
